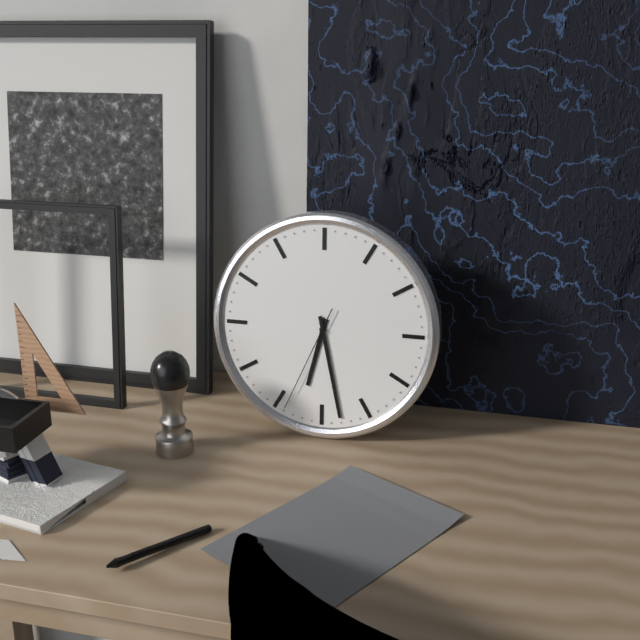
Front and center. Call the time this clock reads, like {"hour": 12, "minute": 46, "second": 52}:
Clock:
{"hour": 6, "minute": 28, "second": 34}
